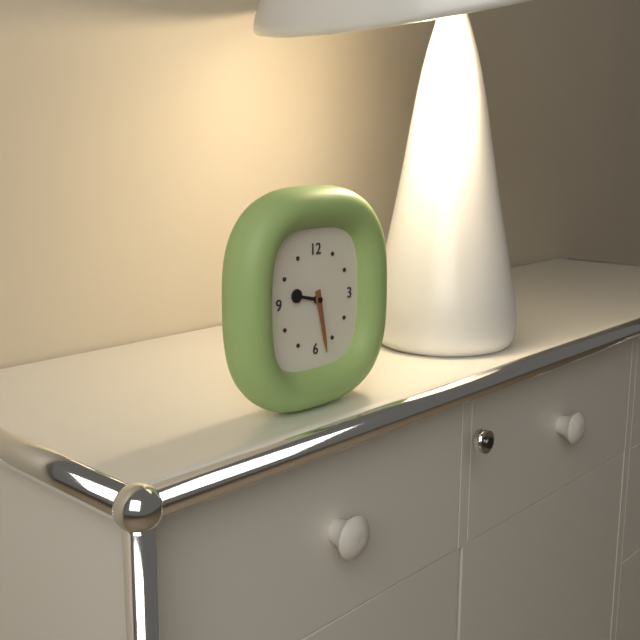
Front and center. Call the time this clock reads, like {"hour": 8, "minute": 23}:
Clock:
{"hour": 9, "minute": 28}
